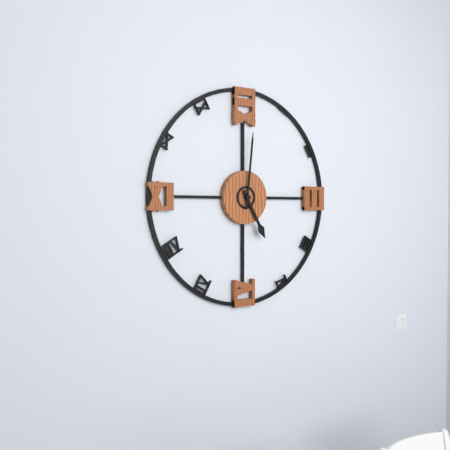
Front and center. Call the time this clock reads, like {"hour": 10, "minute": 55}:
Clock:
{"hour": 5, "minute": 1}
